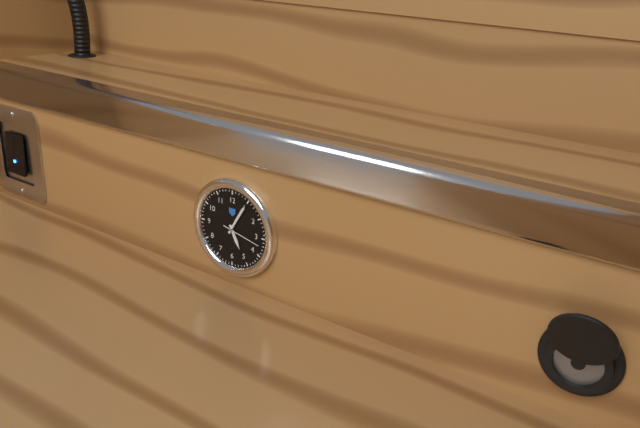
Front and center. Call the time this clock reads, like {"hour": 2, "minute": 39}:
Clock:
{"hour": 5, "minute": 5}
